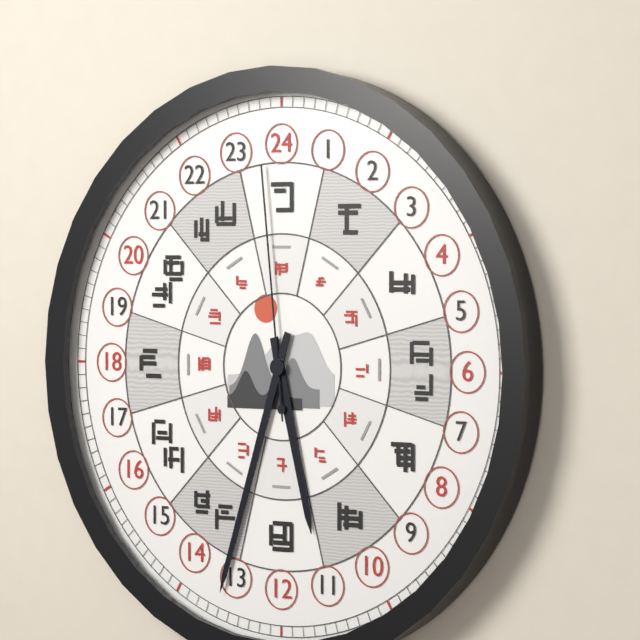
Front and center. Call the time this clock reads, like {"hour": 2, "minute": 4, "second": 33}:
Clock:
{"hour": 5, "minute": 33, "second": 59}
